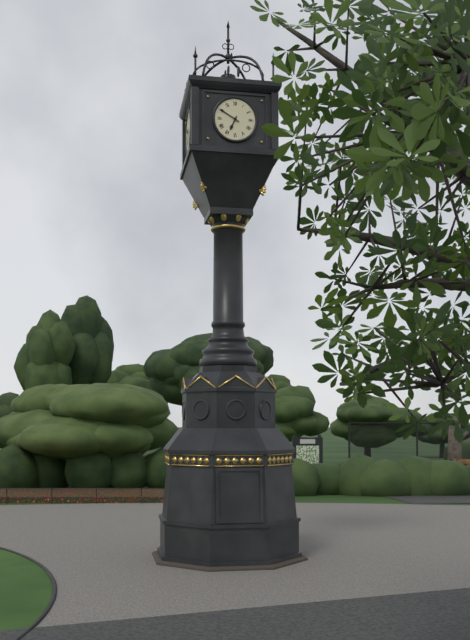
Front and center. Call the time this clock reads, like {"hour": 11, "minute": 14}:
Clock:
{"hour": 6, "minute": 50}
